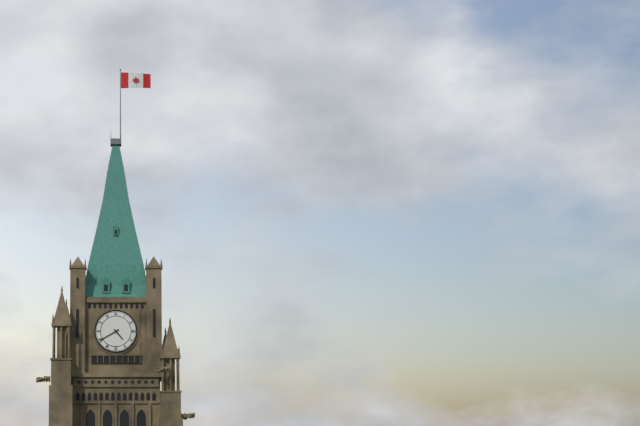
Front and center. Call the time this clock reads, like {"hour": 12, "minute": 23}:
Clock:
{"hour": 4, "minute": 40}
